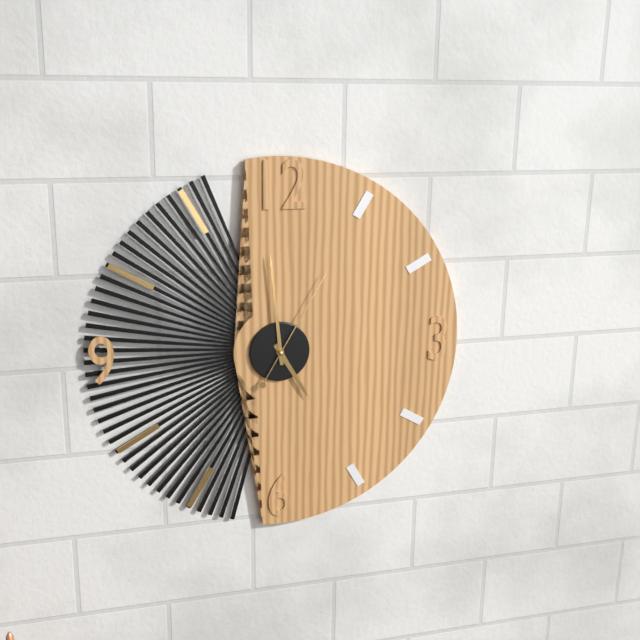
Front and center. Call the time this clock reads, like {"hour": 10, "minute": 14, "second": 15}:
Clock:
{"hour": 4, "minute": 59, "second": 5}
